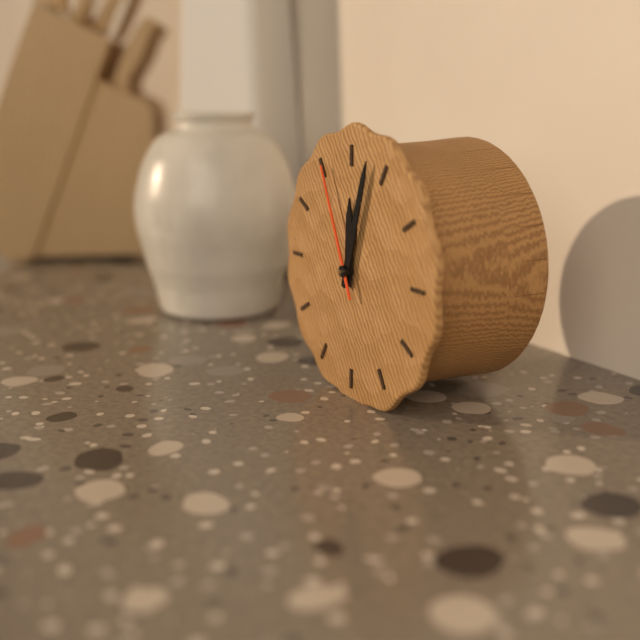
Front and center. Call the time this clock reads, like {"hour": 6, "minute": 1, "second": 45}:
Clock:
{"hour": 12, "minute": 3, "second": 56}
